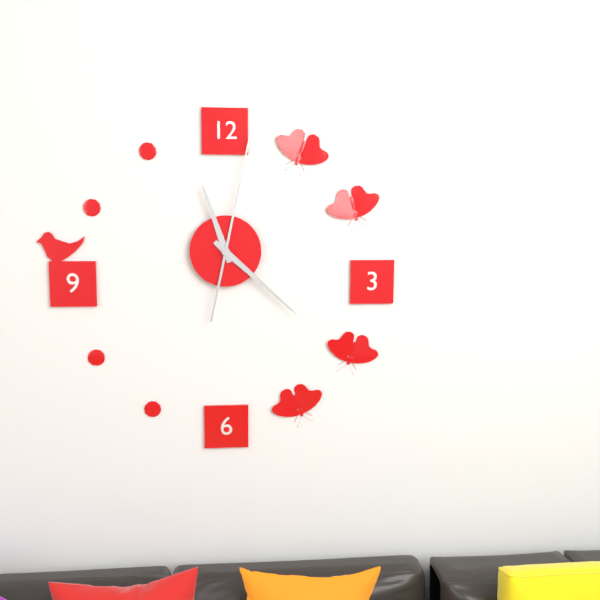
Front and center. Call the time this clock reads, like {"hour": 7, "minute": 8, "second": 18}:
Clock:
{"hour": 11, "minute": 22, "second": 2}
